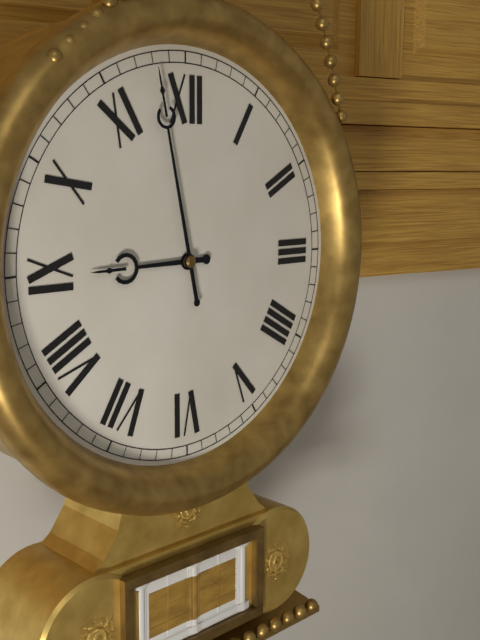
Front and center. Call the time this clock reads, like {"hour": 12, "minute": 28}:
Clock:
{"hour": 8, "minute": 58}
